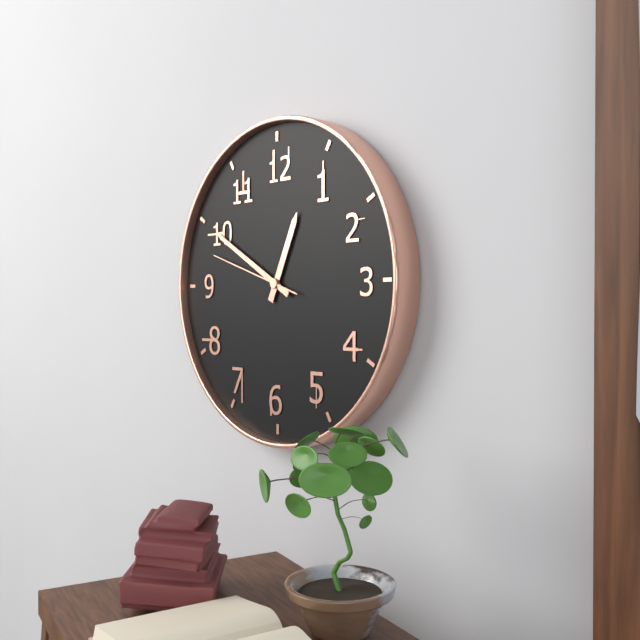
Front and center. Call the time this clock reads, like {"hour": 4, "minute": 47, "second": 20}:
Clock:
{"hour": 12, "minute": 50, "second": 48}
